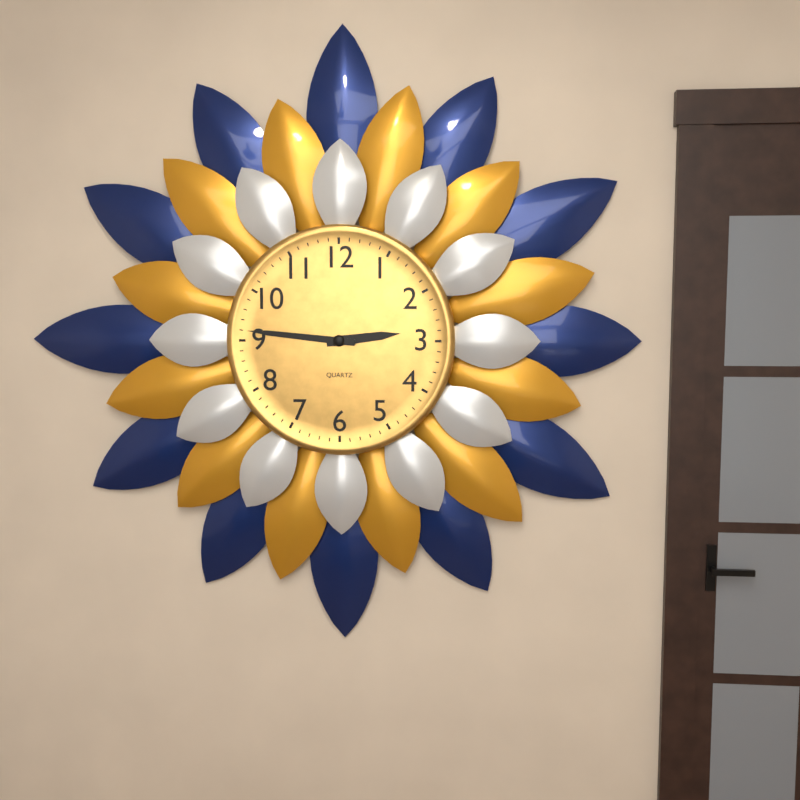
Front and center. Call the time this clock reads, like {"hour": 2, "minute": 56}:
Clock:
{"hour": 2, "minute": 46}
